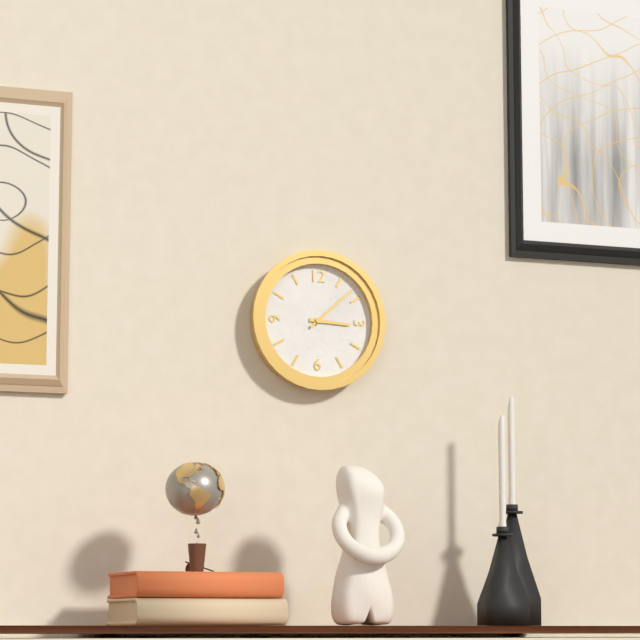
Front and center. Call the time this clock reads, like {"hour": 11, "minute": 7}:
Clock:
{"hour": 3, "minute": 8}
